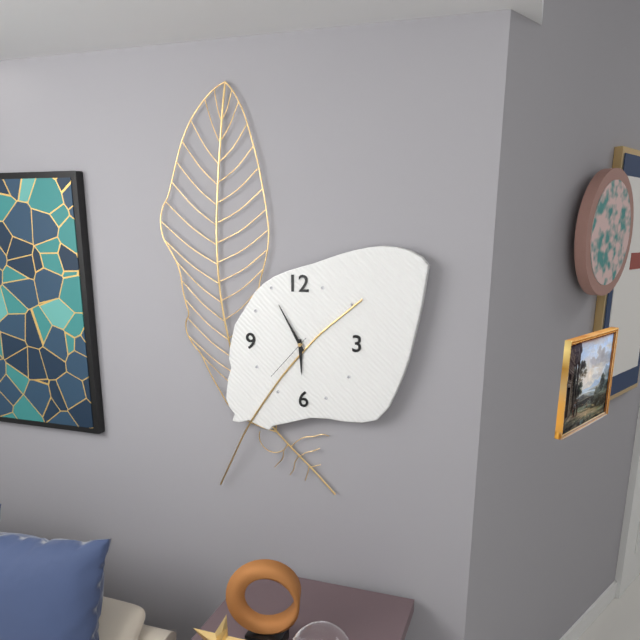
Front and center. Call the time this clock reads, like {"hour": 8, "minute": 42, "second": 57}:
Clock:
{"hour": 5, "minute": 55, "second": 37}
